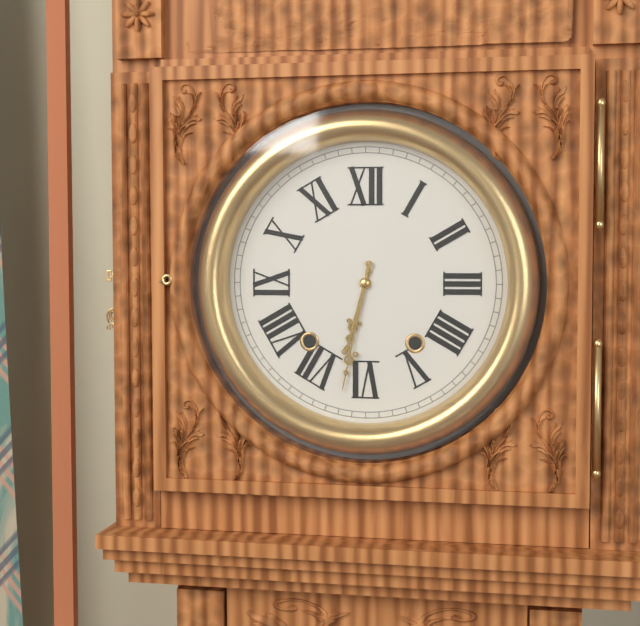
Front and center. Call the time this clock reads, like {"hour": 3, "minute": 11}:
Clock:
{"hour": 6, "minute": 32}
